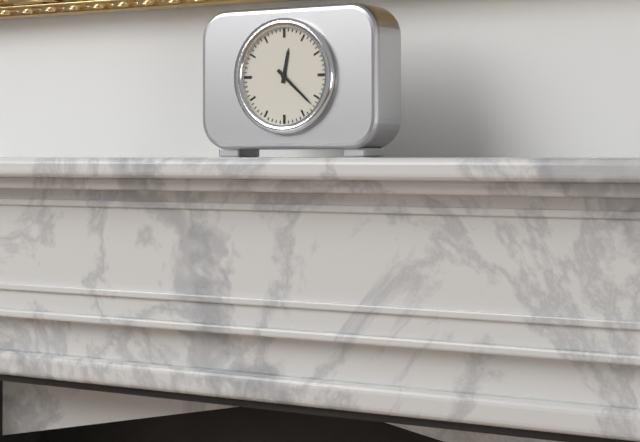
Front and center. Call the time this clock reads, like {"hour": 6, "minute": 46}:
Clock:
{"hour": 12, "minute": 22}
